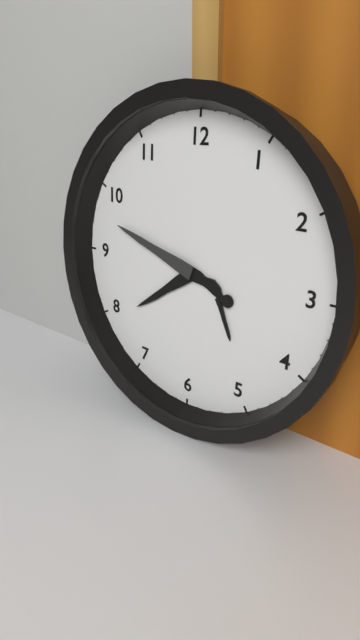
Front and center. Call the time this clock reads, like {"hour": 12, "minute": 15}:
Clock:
{"hour": 7, "minute": 48}
